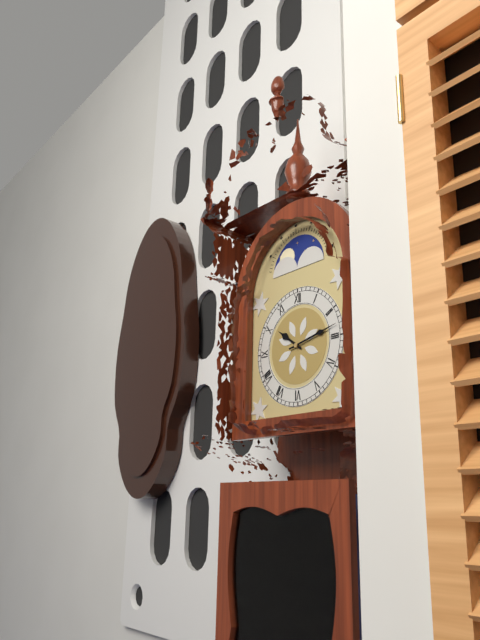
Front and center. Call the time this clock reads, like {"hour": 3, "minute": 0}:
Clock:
{"hour": 10, "minute": 13}
